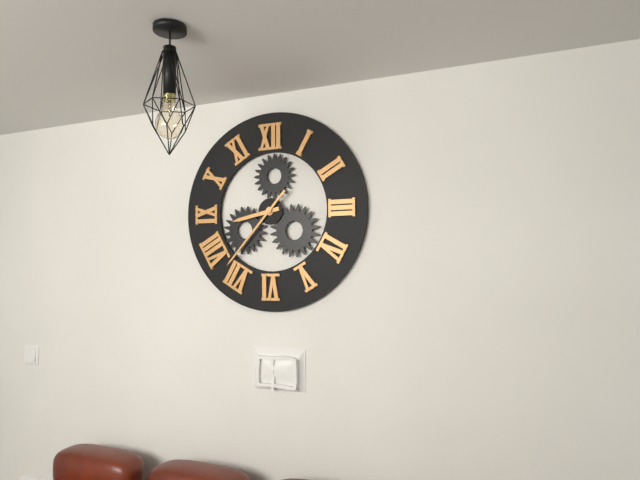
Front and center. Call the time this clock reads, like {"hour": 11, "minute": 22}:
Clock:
{"hour": 8, "minute": 37}
